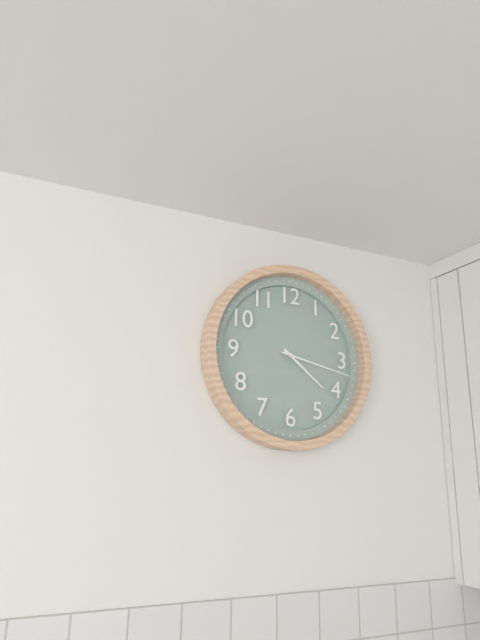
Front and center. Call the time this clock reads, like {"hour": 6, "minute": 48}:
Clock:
{"hour": 4, "minute": 17}
